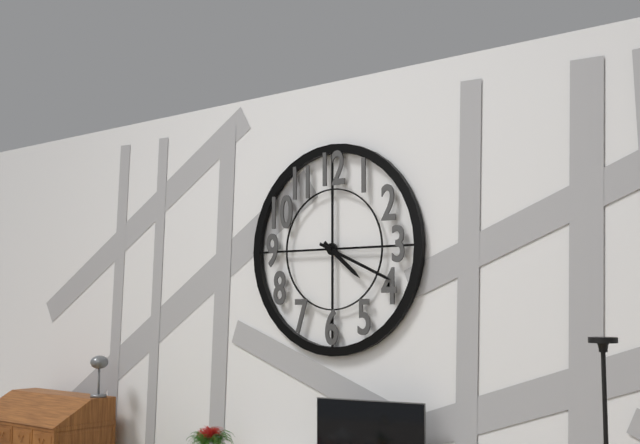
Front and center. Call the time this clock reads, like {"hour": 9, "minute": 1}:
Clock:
{"hour": 4, "minute": 19}
